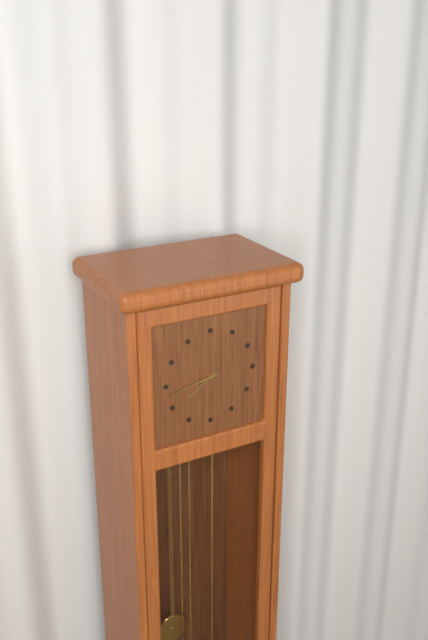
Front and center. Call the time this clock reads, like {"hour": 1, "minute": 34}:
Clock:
{"hour": 7, "minute": 43}
